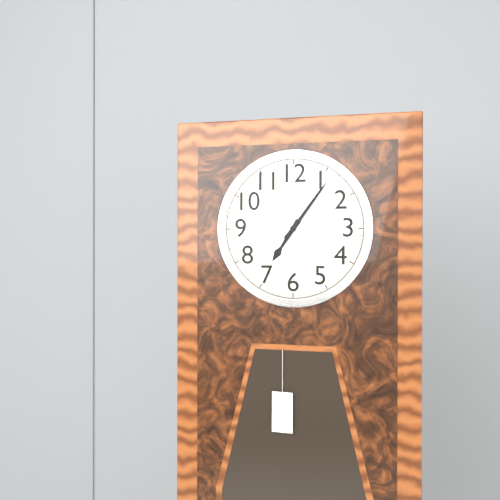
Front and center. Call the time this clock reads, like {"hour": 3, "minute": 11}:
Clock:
{"hour": 7, "minute": 6}
